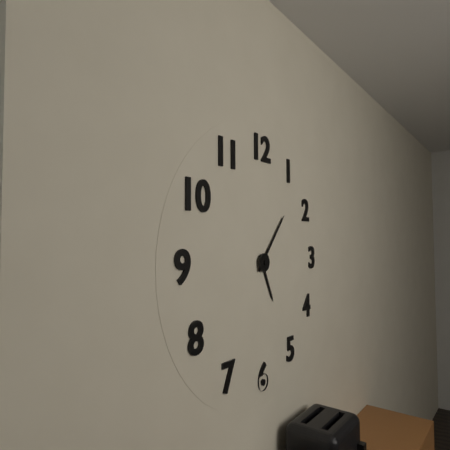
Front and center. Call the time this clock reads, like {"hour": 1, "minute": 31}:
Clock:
{"hour": 5, "minute": 7}
